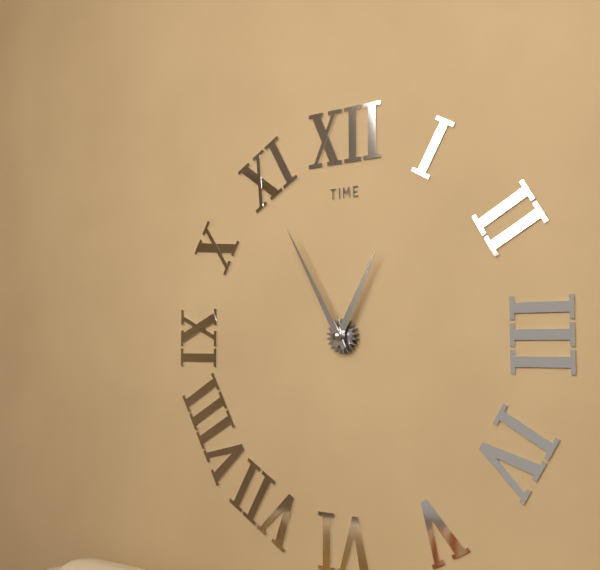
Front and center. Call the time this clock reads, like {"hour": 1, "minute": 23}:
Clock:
{"hour": 12, "minute": 55}
